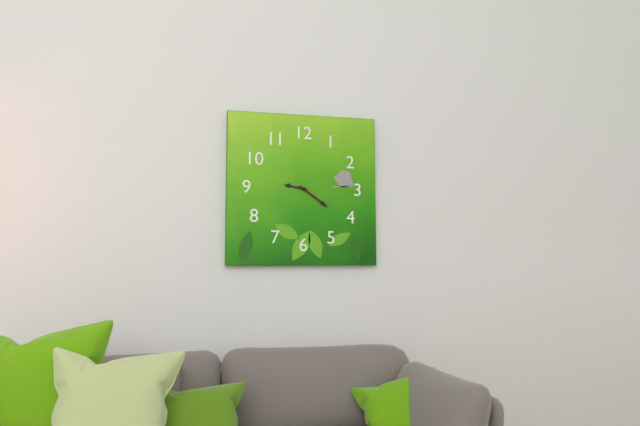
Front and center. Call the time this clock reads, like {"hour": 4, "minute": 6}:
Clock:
{"hour": 9, "minute": 21}
